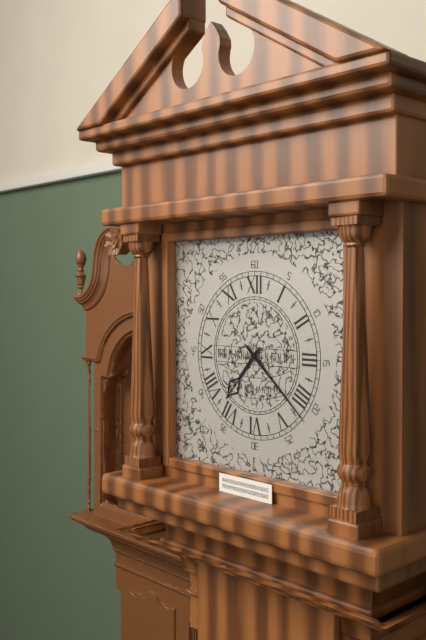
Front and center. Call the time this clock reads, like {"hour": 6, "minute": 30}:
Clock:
{"hour": 7, "minute": 22}
